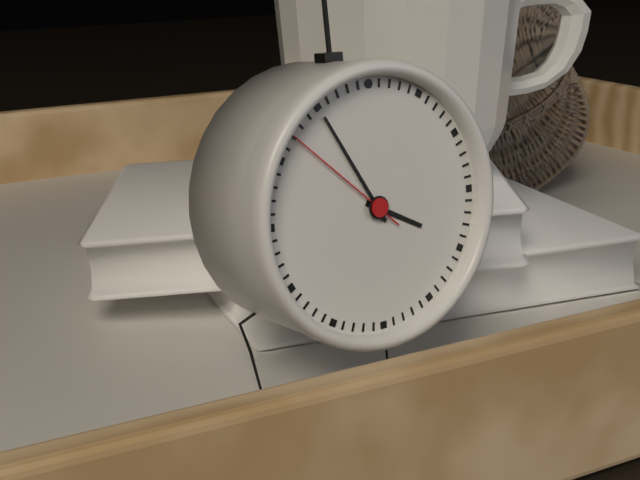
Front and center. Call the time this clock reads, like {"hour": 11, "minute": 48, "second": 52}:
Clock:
{"hour": 3, "minute": 55, "second": 52}
